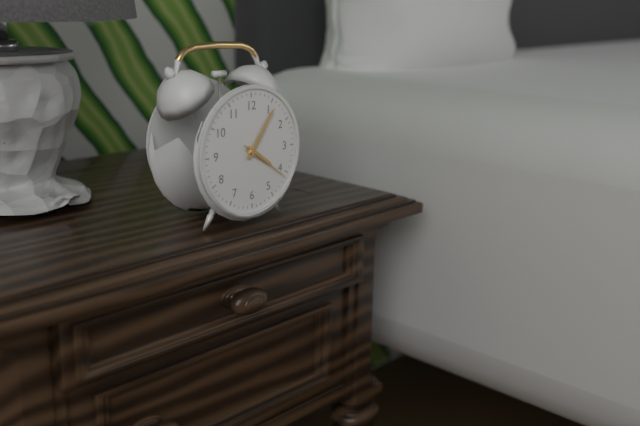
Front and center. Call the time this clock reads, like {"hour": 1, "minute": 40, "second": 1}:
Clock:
{"hour": 4, "minute": 6, "second": 21}
